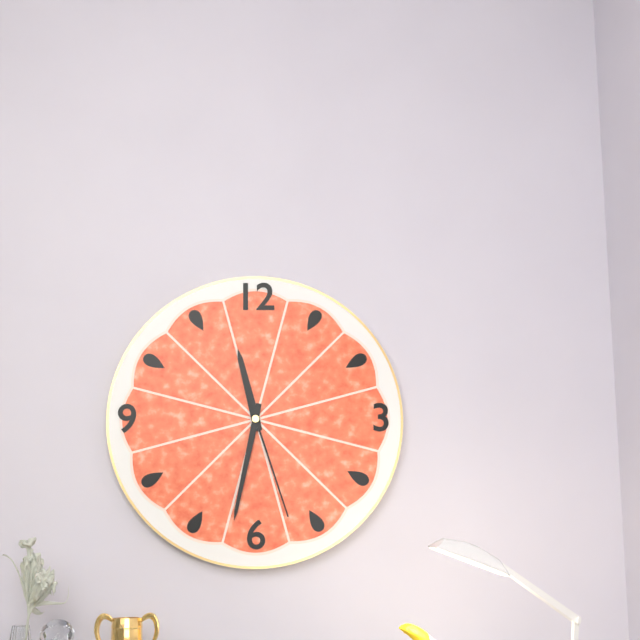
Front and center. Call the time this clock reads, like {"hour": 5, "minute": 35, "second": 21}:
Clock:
{"hour": 11, "minute": 32, "second": 27}
